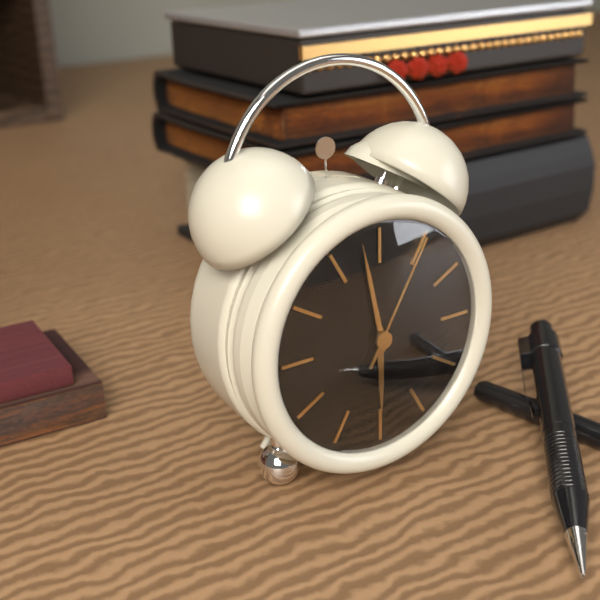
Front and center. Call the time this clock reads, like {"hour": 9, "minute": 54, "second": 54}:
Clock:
{"hour": 5, "minute": 58, "second": 5}
